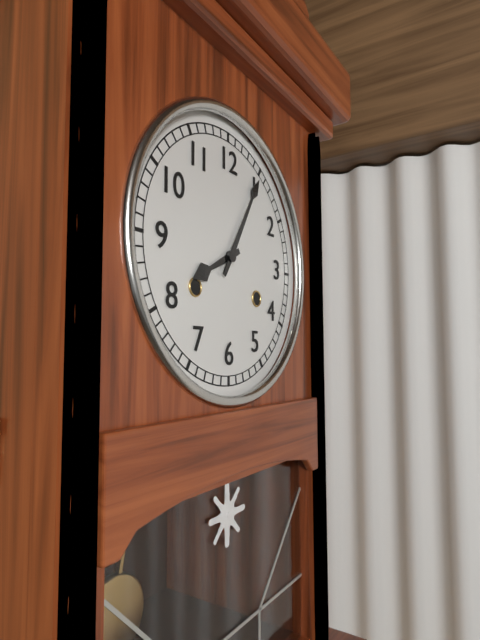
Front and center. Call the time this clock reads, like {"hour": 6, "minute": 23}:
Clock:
{"hour": 8, "minute": 5}
